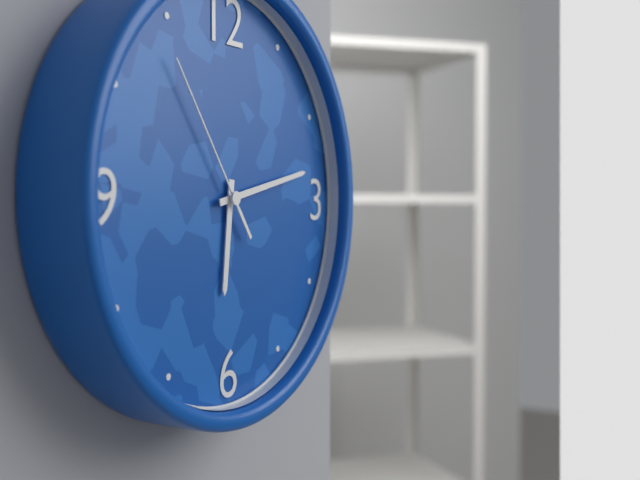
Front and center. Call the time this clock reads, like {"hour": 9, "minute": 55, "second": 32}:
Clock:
{"hour": 6, "minute": 13, "second": 54}
